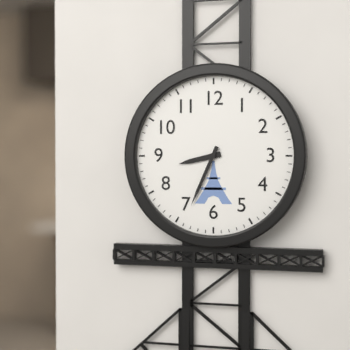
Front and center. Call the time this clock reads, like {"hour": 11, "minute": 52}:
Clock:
{"hour": 8, "minute": 34}
